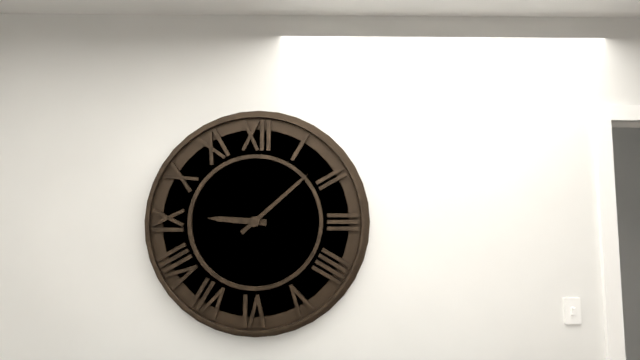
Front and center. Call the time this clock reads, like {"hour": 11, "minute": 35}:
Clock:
{"hour": 9, "minute": 8}
